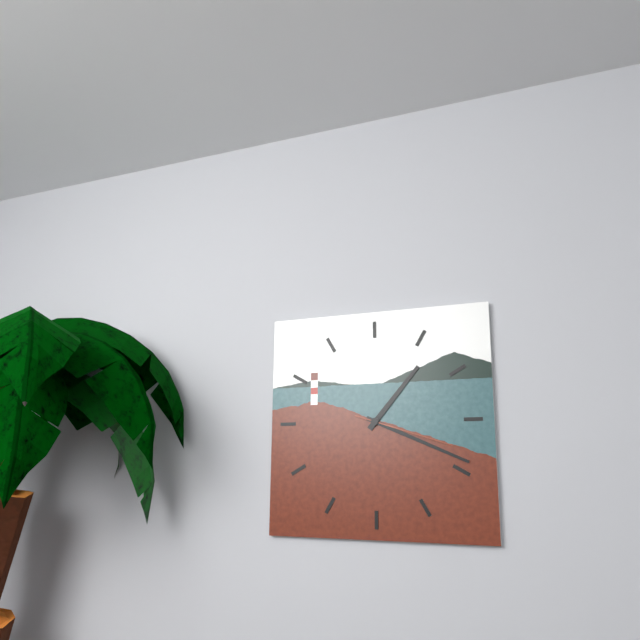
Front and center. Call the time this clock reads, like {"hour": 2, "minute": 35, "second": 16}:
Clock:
{"hour": 1, "minute": 19, "second": 18}
